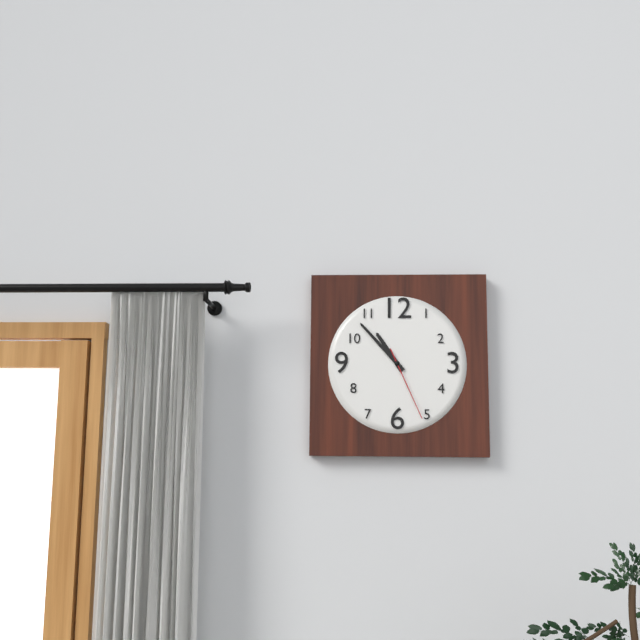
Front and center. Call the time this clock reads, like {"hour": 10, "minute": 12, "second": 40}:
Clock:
{"hour": 10, "minute": 53, "second": 26}
